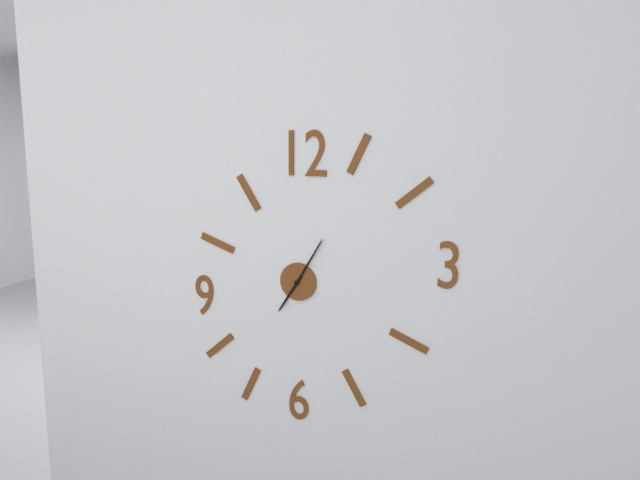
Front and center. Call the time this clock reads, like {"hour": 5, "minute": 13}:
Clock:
{"hour": 7, "minute": 5}
